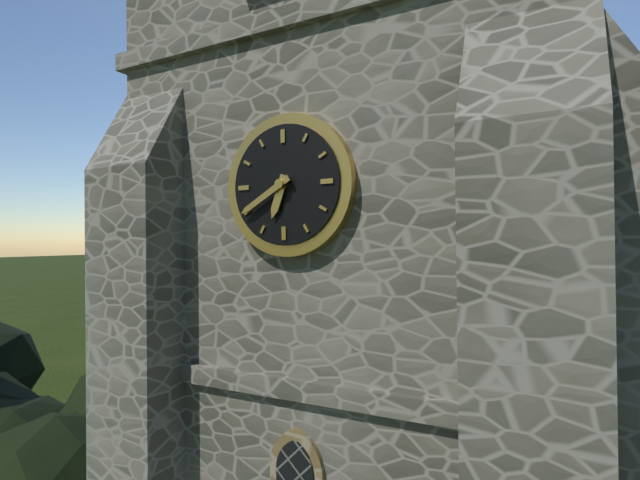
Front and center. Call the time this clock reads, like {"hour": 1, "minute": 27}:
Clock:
{"hour": 6, "minute": 40}
